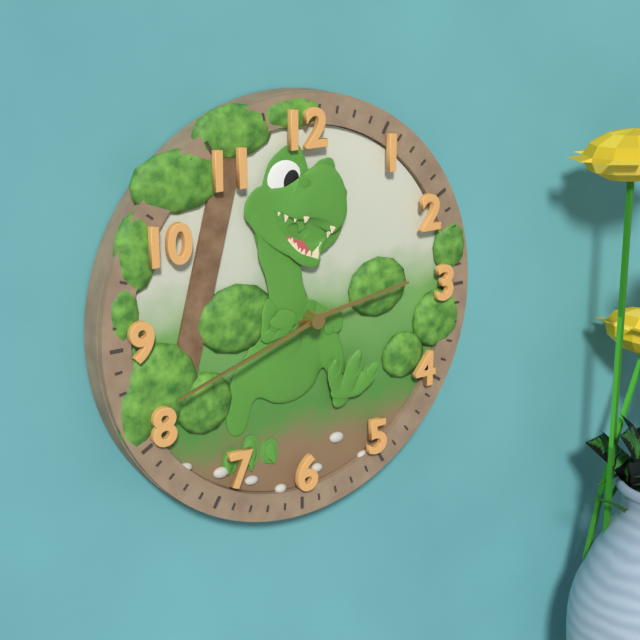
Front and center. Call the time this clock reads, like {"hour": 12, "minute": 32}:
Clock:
{"hour": 2, "minute": 42}
